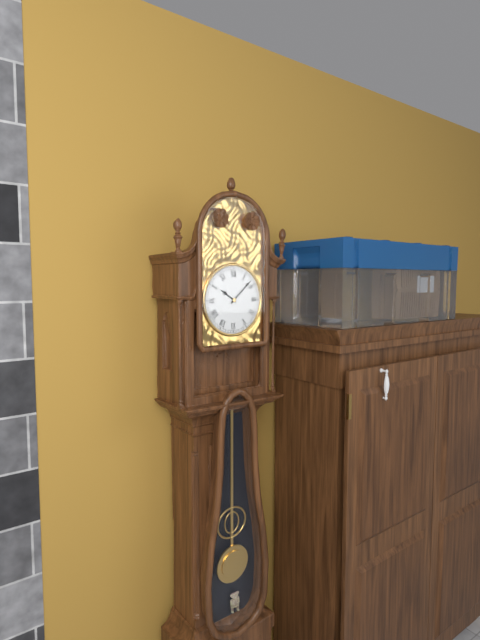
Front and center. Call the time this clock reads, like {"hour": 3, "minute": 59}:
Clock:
{"hour": 10, "minute": 8}
